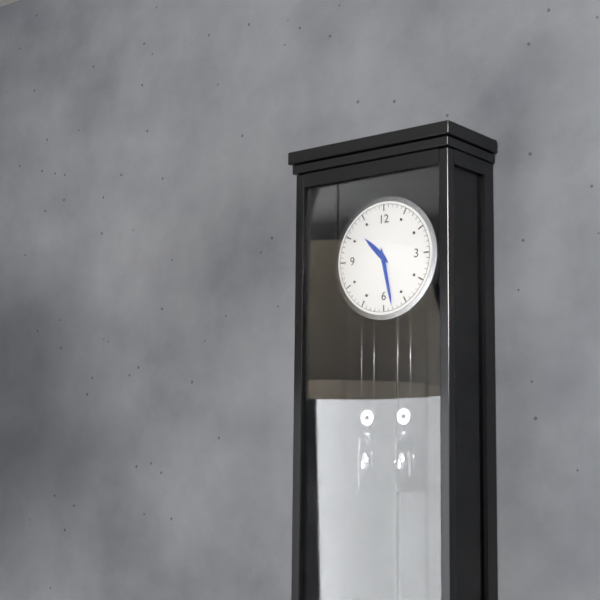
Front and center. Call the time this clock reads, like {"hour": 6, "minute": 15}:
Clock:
{"hour": 10, "minute": 28}
